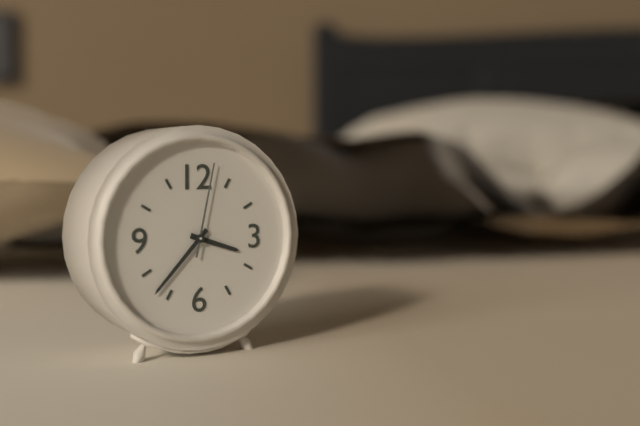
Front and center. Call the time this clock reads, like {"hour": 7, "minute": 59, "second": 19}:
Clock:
{"hour": 3, "minute": 37, "second": 2}
